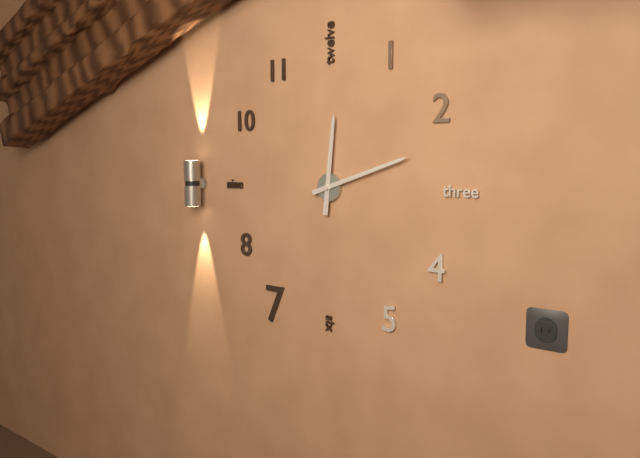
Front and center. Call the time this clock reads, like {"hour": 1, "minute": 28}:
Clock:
{"hour": 12, "minute": 12}
